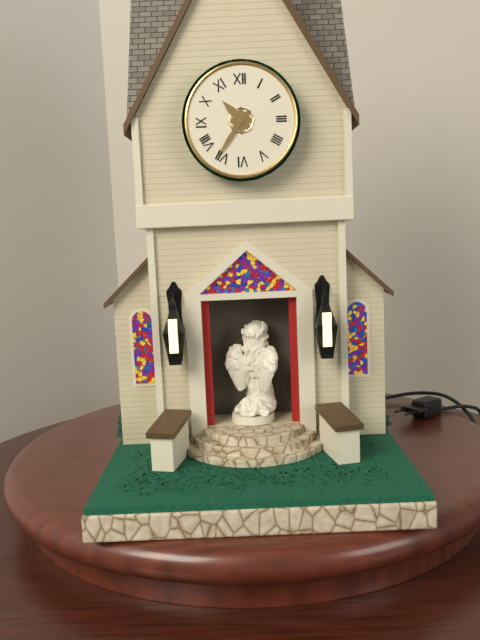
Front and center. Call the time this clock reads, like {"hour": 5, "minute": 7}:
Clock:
{"hour": 10, "minute": 36}
